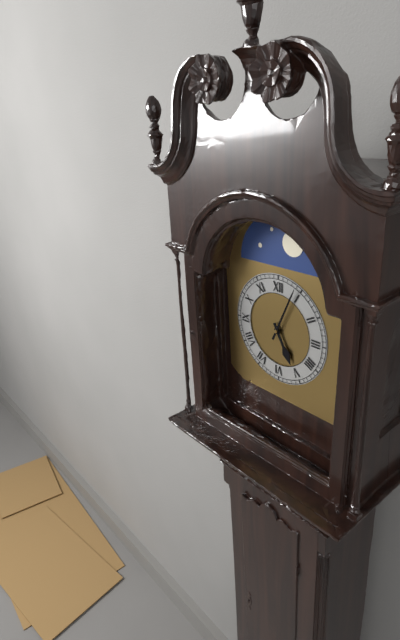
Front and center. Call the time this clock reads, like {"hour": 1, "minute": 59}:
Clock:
{"hour": 5, "minute": 4}
